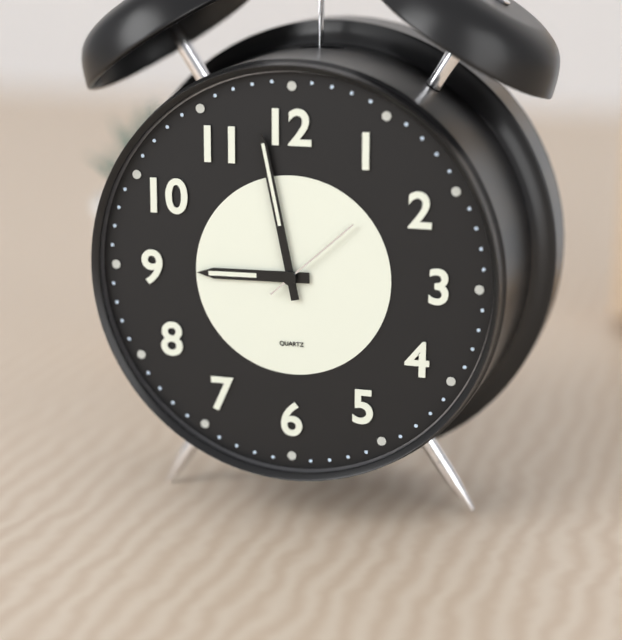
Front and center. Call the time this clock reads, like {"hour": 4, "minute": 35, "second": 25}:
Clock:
{"hour": 8, "minute": 58, "second": 8}
